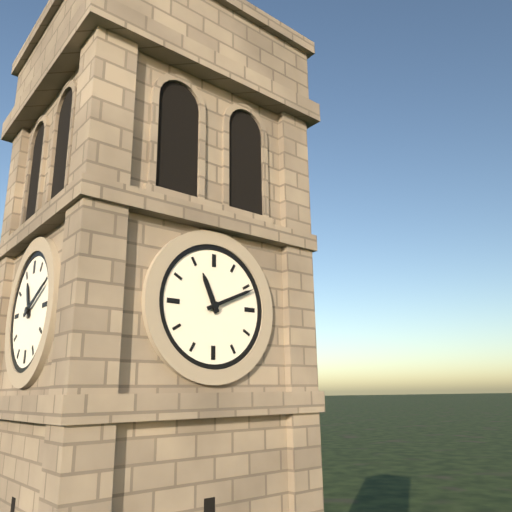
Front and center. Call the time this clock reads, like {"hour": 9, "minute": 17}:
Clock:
{"hour": 11, "minute": 11}
